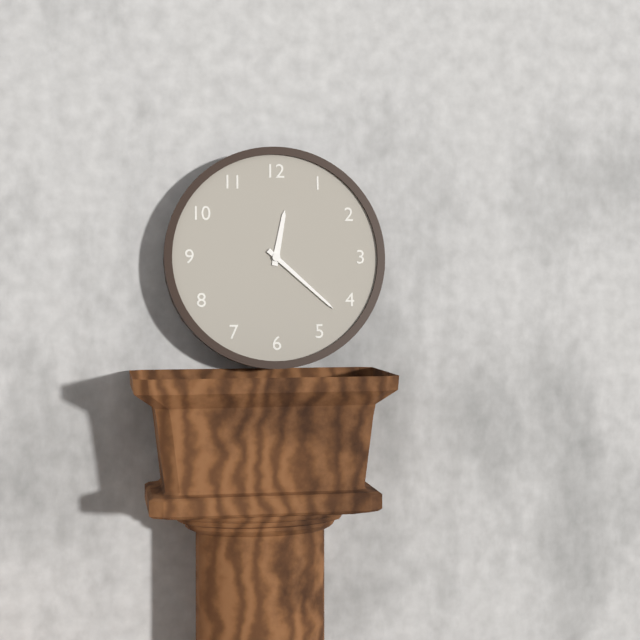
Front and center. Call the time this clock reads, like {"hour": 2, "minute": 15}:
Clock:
{"hour": 12, "minute": 22}
